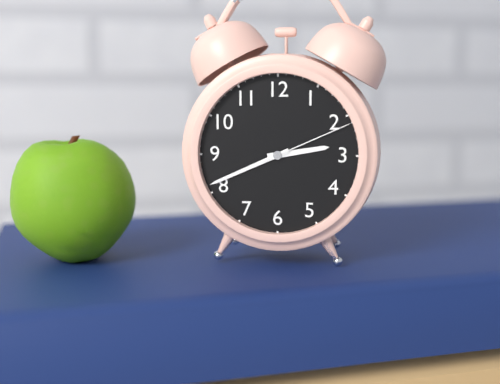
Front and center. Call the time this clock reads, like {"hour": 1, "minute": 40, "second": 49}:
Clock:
{"hour": 2, "minute": 41, "second": 11}
